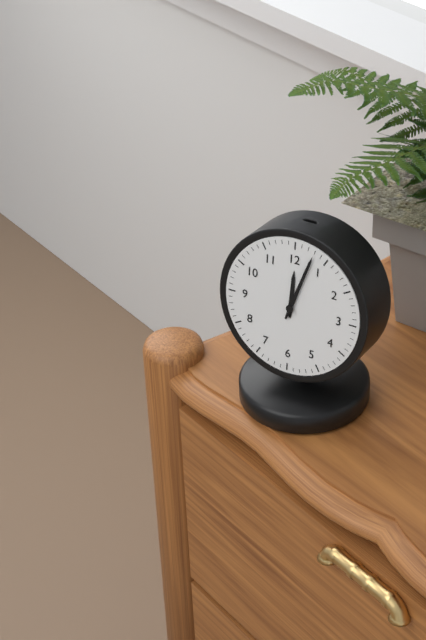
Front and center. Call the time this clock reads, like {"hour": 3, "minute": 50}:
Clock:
{"hour": 12, "minute": 3}
